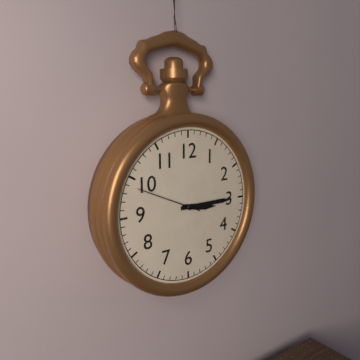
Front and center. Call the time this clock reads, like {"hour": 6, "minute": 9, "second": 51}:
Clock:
{"hour": 3, "minute": 15, "second": 49}
